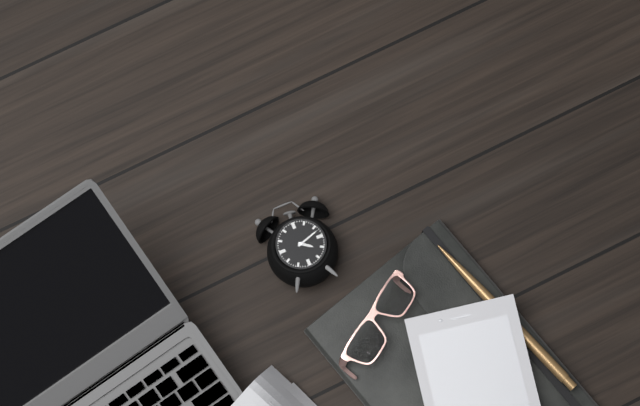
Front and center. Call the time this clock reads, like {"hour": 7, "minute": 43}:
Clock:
{"hour": 4, "minute": 12}
